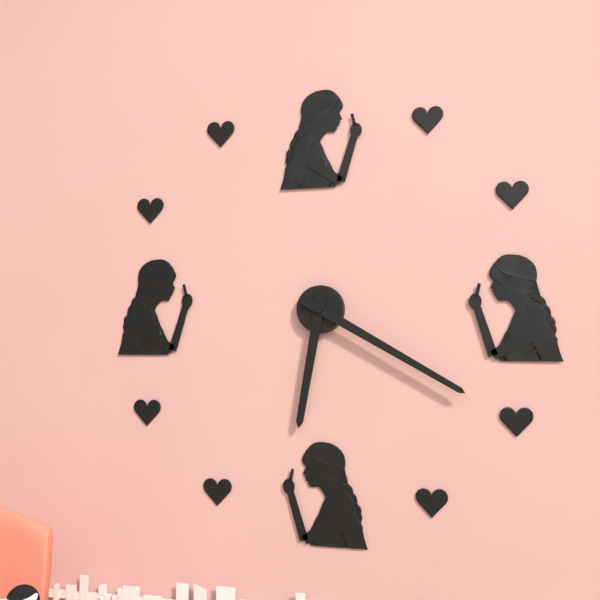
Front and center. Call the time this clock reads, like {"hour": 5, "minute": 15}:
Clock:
{"hour": 6, "minute": 20}
